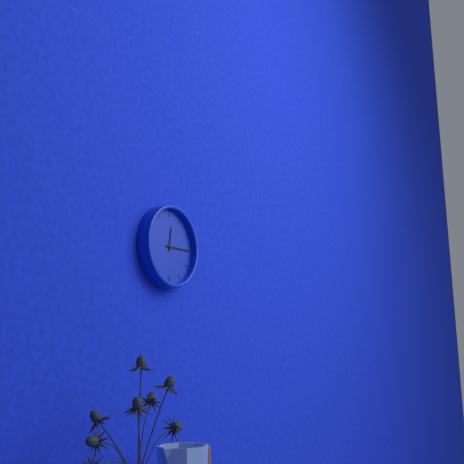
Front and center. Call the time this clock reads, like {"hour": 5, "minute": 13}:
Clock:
{"hour": 12, "minute": 15}
